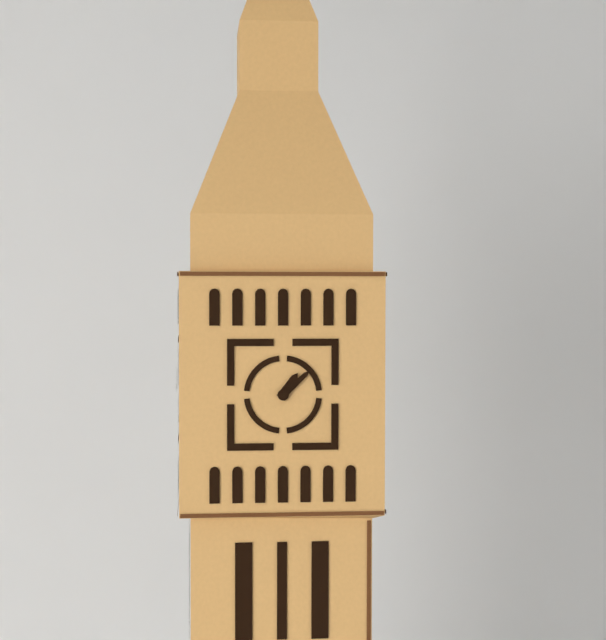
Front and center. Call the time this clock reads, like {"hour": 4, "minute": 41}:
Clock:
{"hour": 1, "minute": 8}
